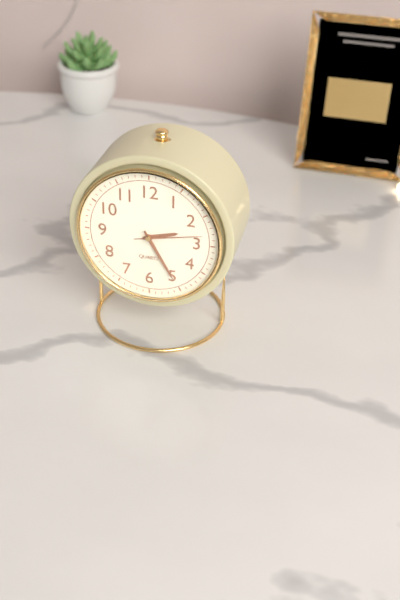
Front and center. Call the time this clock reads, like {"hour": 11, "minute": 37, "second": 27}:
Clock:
{"hour": 2, "minute": 25, "second": 13}
